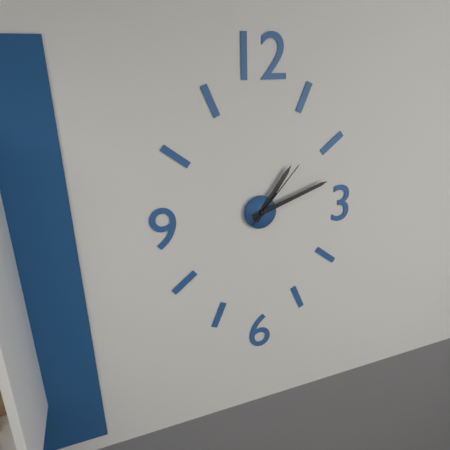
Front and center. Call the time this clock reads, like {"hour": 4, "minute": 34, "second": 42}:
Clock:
{"hour": 1, "minute": 12, "second": 7}
